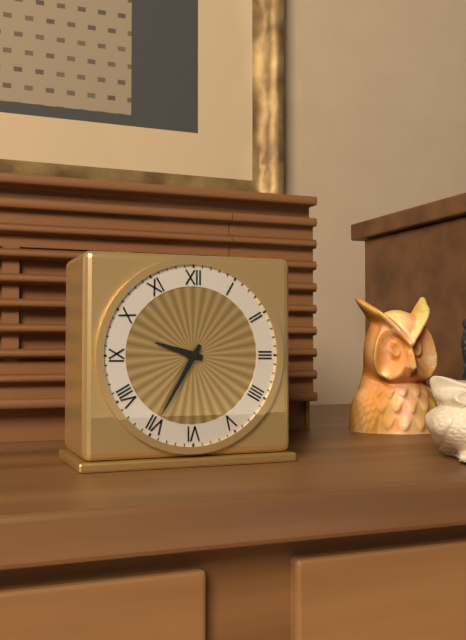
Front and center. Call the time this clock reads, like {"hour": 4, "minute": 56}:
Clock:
{"hour": 9, "minute": 35}
